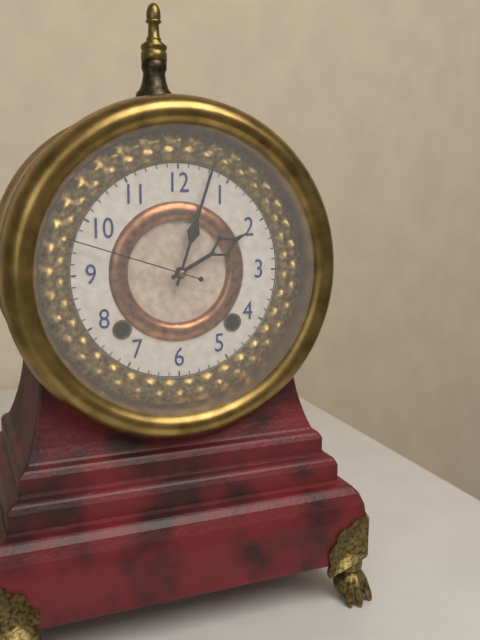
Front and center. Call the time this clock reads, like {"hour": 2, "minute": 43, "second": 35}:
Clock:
{"hour": 2, "minute": 3, "second": 48}
